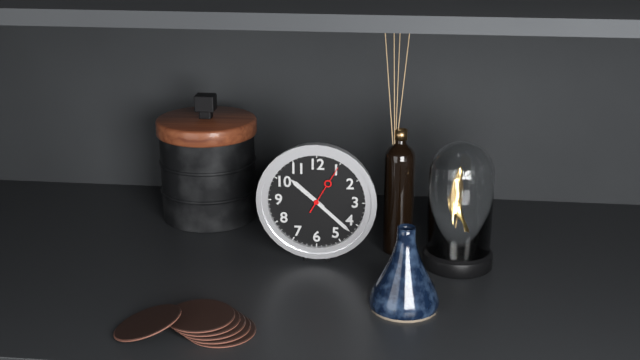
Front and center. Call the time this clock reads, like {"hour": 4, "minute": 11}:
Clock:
{"hour": 10, "minute": 22}
